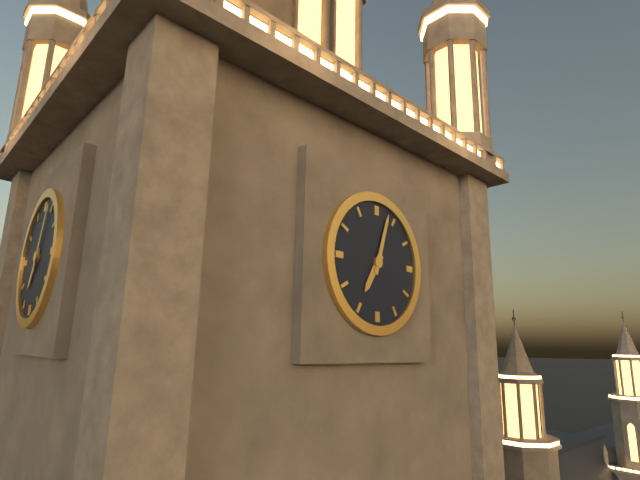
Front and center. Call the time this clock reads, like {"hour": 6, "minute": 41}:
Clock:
{"hour": 7, "minute": 3}
